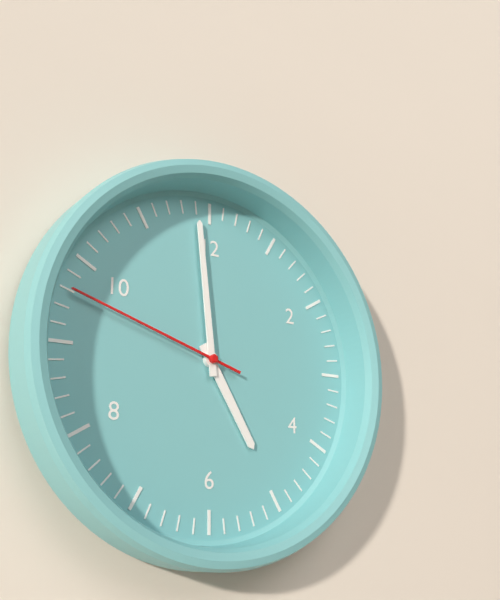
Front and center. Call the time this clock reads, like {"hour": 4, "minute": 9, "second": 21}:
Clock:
{"hour": 4, "minute": 59, "second": 48}
